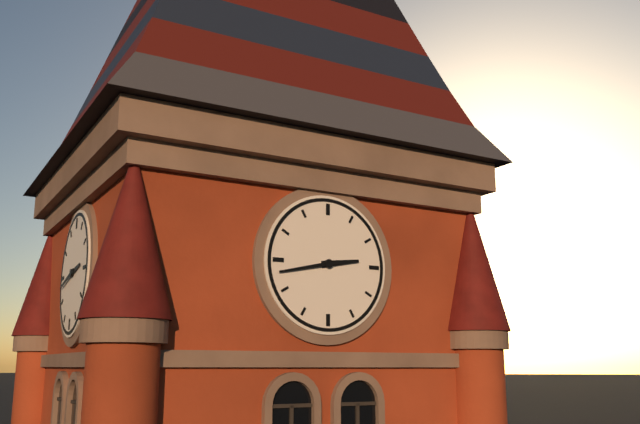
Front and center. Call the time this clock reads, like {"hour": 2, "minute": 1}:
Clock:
{"hour": 2, "minute": 43}
